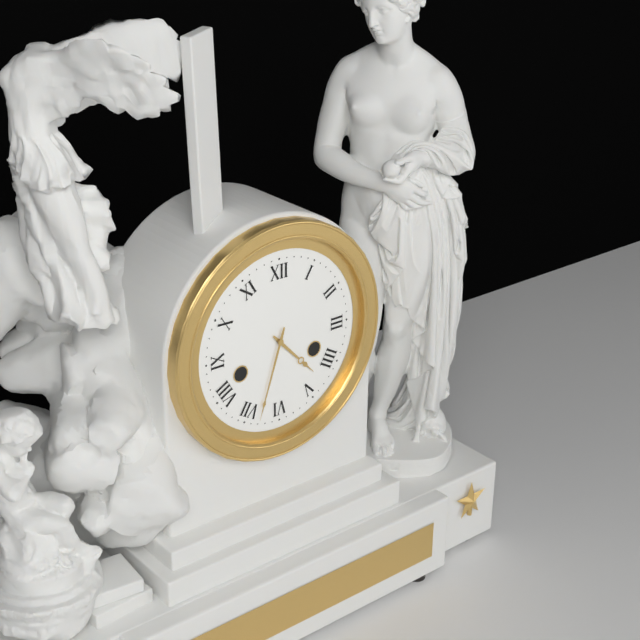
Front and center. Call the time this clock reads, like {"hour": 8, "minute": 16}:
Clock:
{"hour": 4, "minute": 33}
